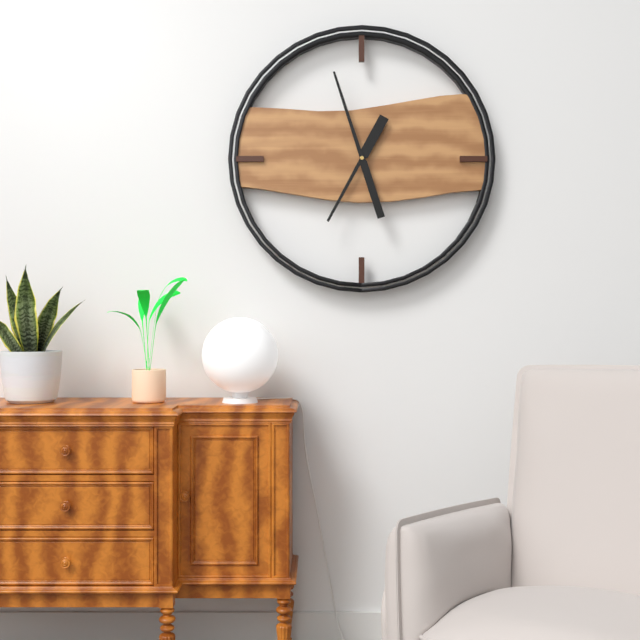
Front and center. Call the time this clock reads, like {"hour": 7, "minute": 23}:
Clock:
{"hour": 6, "minute": 57}
